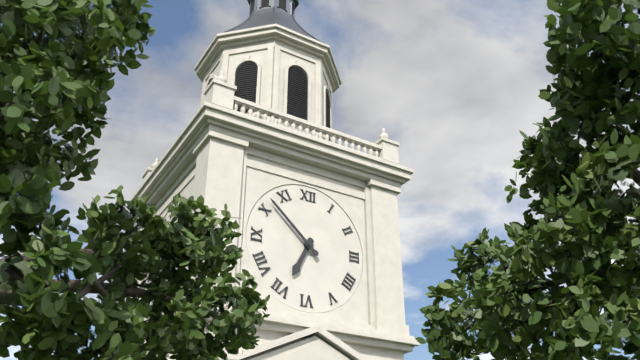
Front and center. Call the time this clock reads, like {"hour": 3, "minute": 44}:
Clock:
{"hour": 6, "minute": 52}
